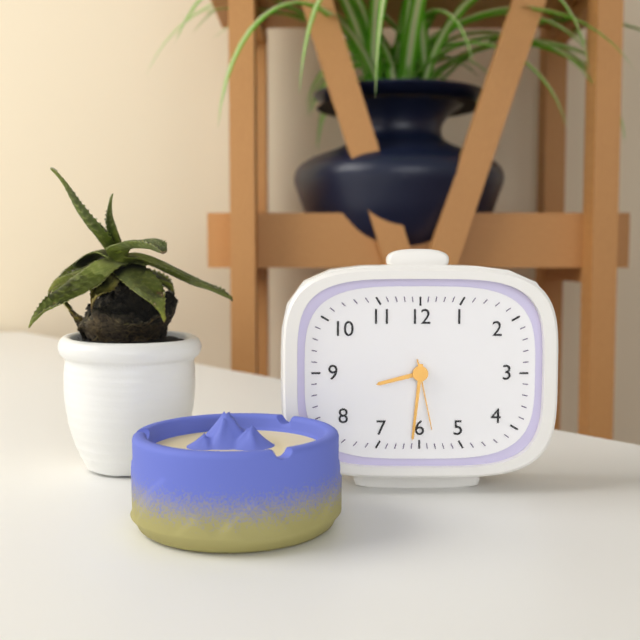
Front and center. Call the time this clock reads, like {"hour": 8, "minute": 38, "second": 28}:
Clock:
{"hour": 8, "minute": 31, "second": 28}
